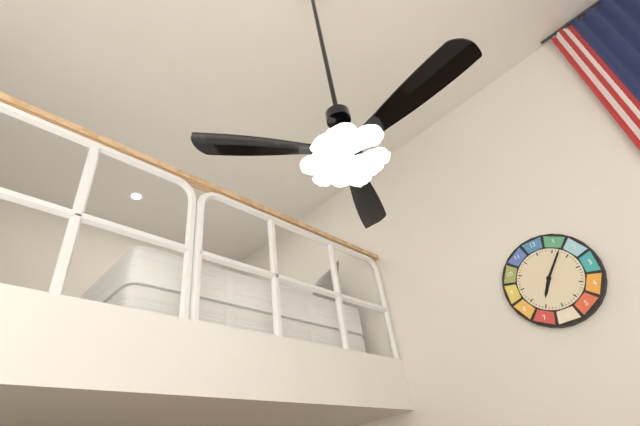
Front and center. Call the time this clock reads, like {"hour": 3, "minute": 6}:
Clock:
{"hour": 7, "minute": 7}
